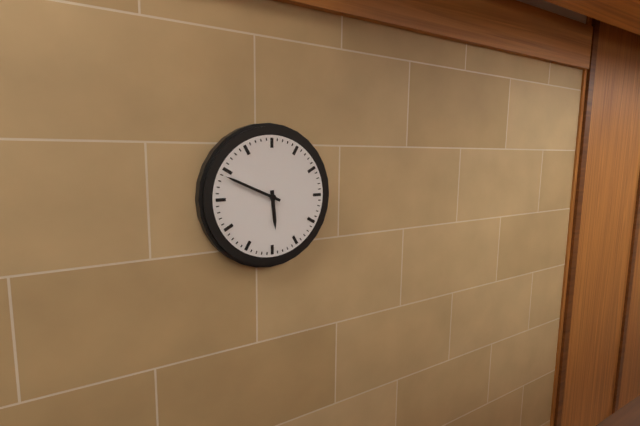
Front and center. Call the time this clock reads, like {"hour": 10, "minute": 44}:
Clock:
{"hour": 5, "minute": 49}
